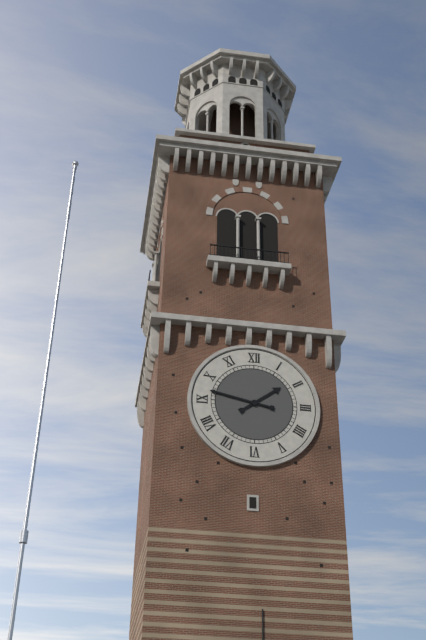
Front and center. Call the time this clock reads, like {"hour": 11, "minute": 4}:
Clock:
{"hour": 1, "minute": 47}
